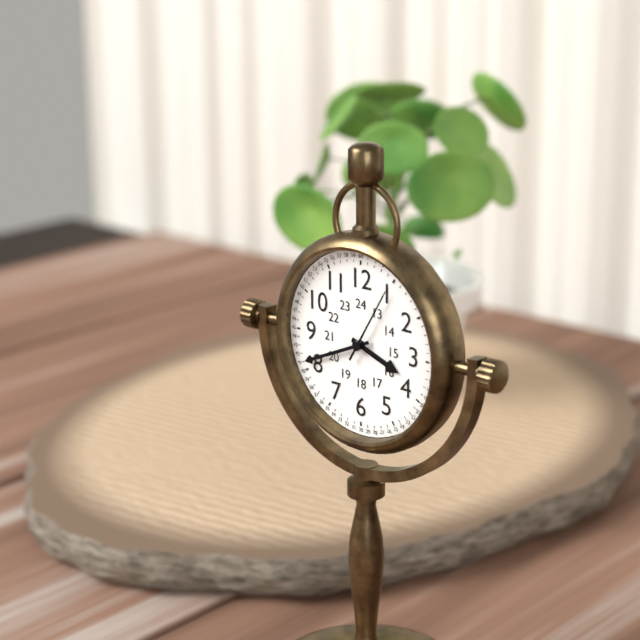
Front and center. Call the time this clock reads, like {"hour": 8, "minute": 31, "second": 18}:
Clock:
{"hour": 3, "minute": 41, "second": 5}
